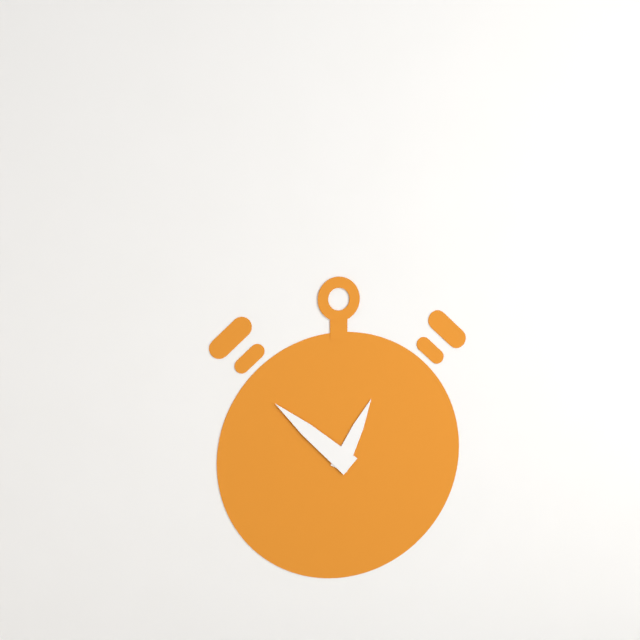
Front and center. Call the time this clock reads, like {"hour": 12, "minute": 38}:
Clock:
{"hour": 12, "minute": 52}
